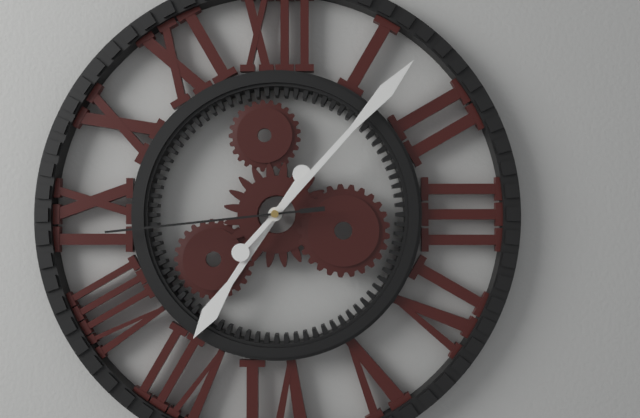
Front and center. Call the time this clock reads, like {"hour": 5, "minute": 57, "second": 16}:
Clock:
{"hour": 7, "minute": 7, "second": 44}
